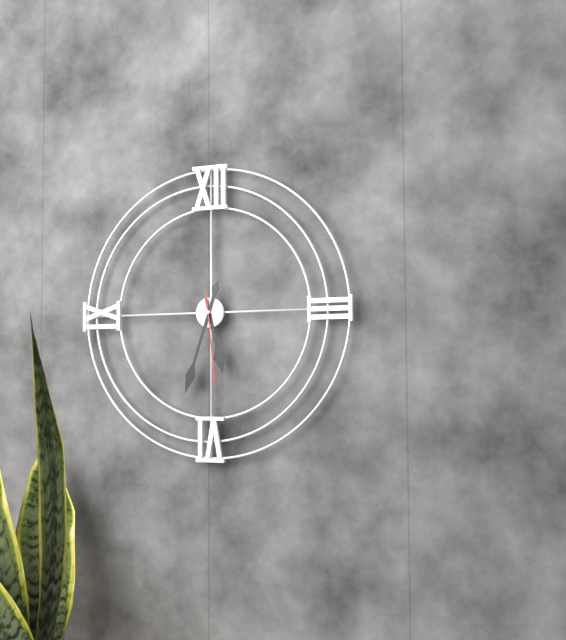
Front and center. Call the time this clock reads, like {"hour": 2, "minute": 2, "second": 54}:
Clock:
{"hour": 5, "minute": 33, "second": 29}
